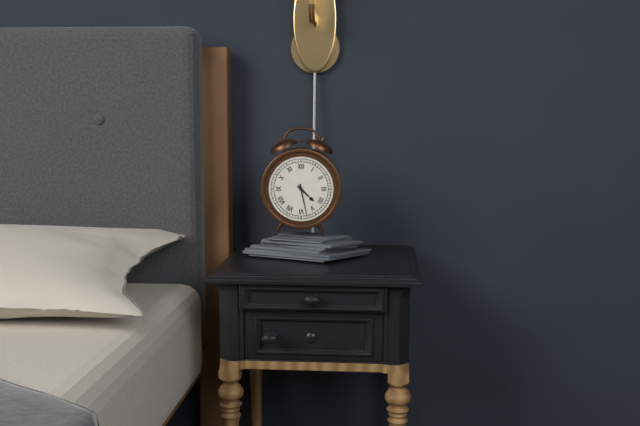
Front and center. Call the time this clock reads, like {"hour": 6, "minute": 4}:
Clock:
{"hour": 4, "minute": 28}
